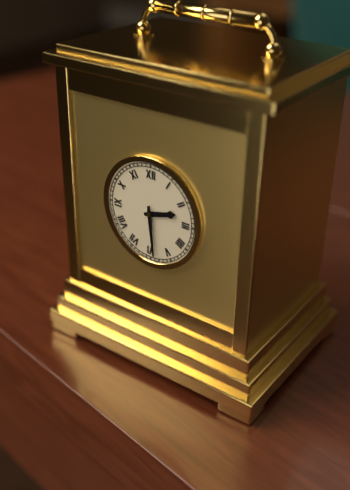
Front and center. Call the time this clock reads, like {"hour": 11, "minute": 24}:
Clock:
{"hour": 2, "minute": 29}
